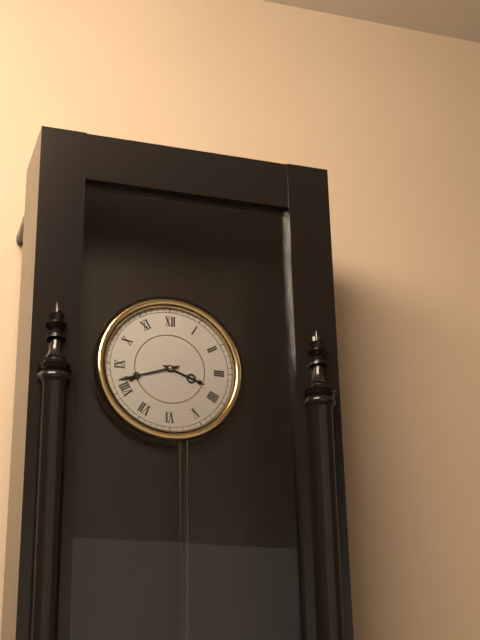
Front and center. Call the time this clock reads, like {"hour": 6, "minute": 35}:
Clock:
{"hour": 3, "minute": 42}
